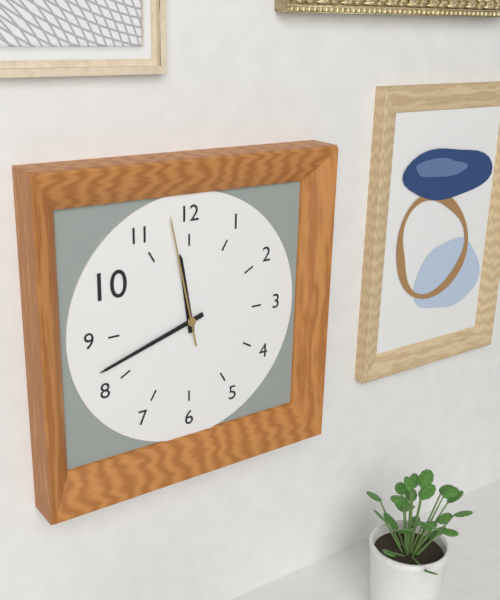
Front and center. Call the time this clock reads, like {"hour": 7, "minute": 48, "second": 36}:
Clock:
{"hour": 11, "minute": 42, "second": 58}
